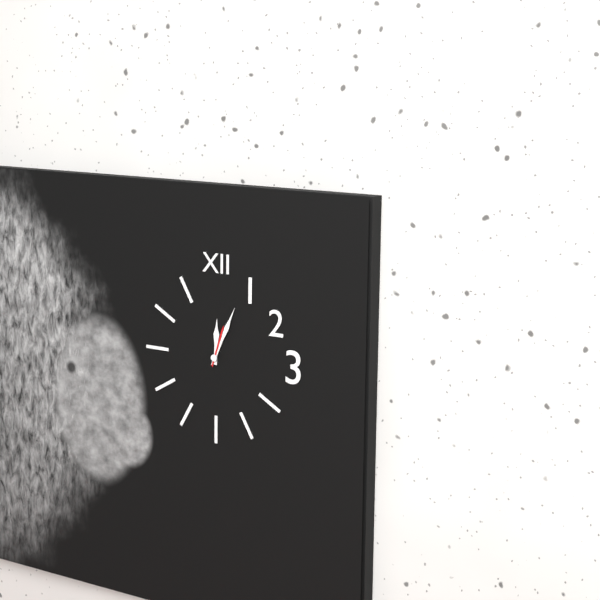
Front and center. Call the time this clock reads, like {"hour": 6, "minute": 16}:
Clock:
{"hour": 12, "minute": 4}
